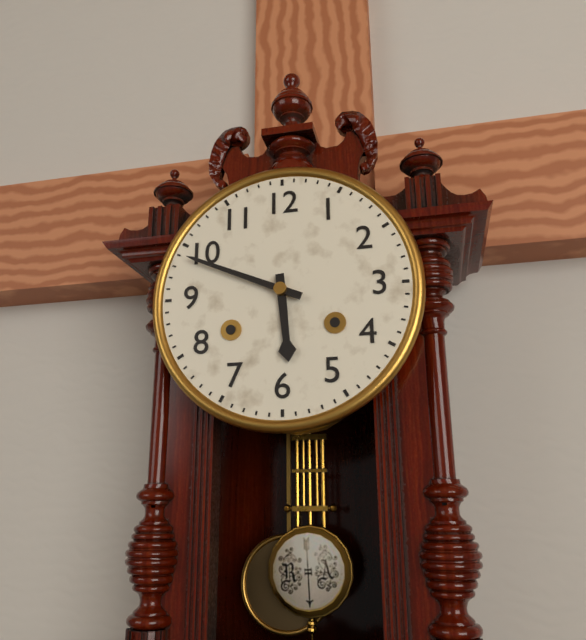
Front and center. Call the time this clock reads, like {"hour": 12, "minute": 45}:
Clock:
{"hour": 5, "minute": 49}
